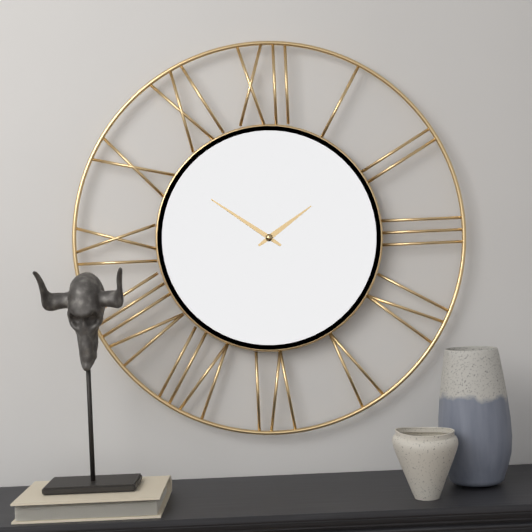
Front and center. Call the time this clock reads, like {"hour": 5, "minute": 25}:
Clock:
{"hour": 1, "minute": 51}
